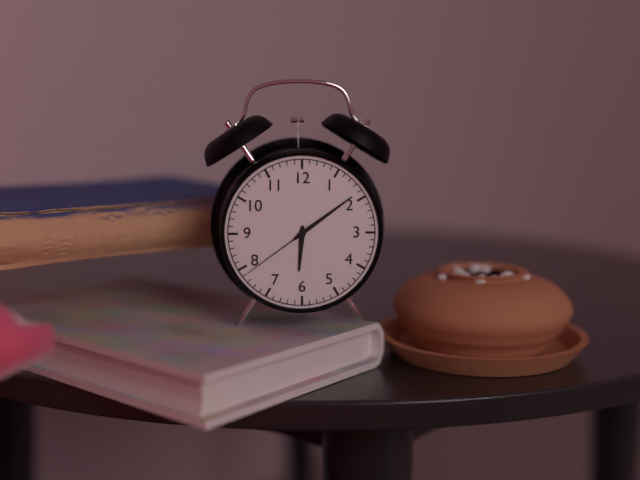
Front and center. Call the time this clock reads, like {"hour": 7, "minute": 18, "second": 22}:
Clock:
{"hour": 6, "minute": 9, "second": 39}
